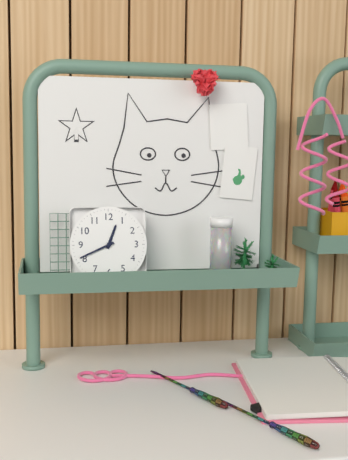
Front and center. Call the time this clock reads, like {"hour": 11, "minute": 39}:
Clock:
{"hour": 12, "minute": 41}
